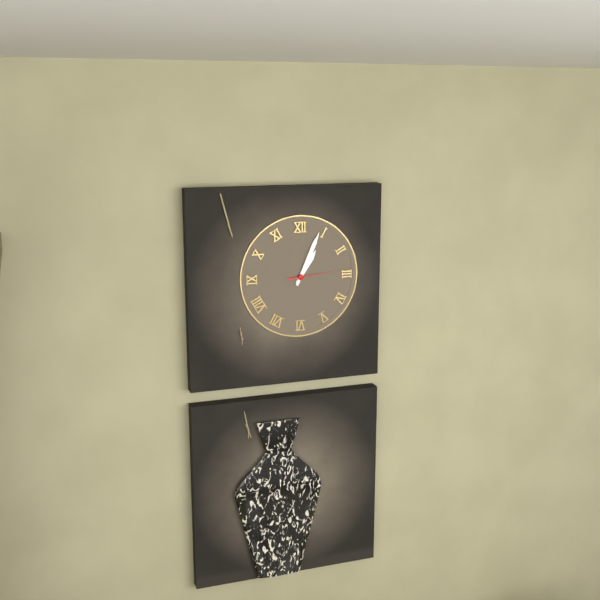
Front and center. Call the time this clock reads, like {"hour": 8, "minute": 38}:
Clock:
{"hour": 1, "minute": 4}
